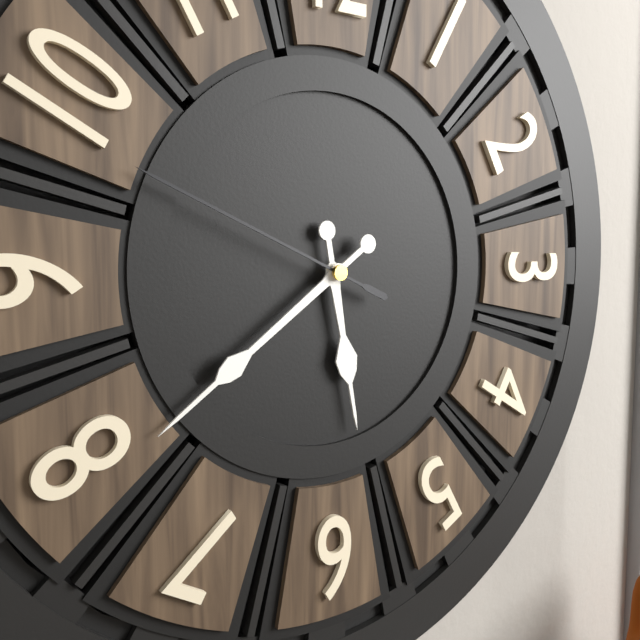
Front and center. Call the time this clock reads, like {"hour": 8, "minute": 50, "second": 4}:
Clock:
{"hour": 5, "minute": 39, "second": 49}
